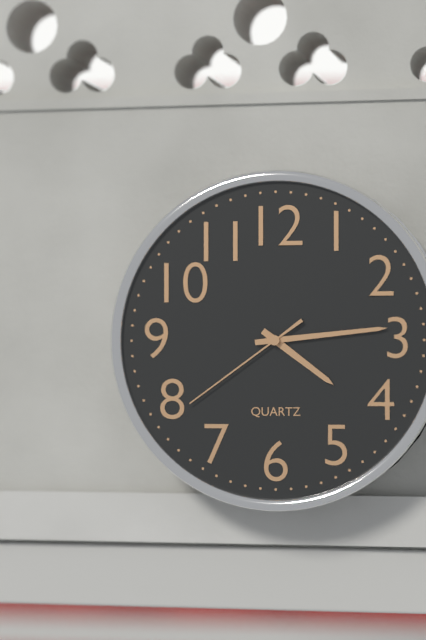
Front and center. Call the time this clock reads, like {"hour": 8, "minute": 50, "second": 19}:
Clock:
{"hour": 4, "minute": 14, "second": 39}
